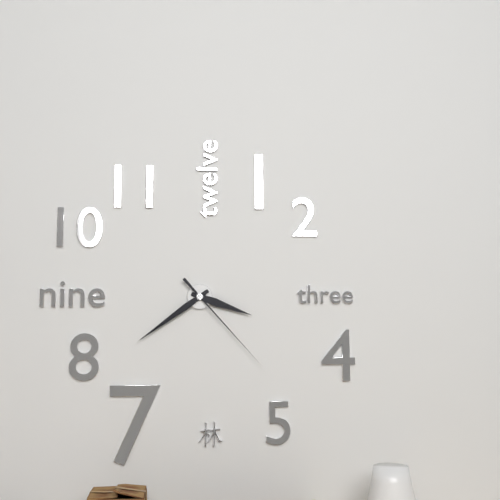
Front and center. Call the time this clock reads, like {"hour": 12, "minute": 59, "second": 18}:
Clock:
{"hour": 3, "minute": 39, "second": 23}
